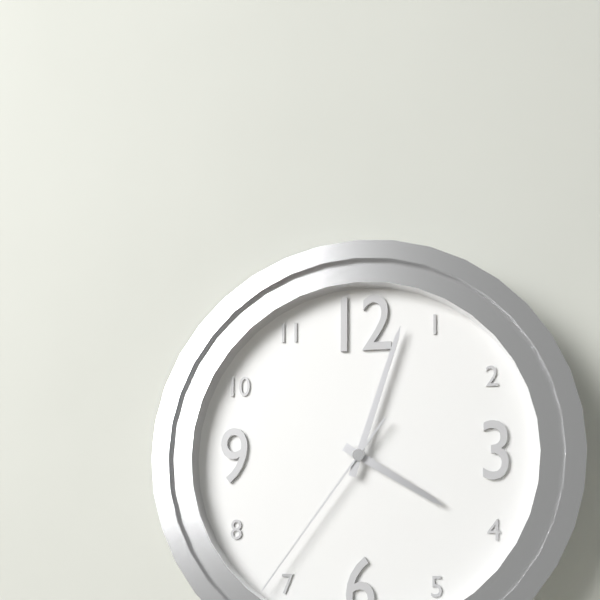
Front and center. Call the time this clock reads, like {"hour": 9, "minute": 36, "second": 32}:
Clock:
{"hour": 4, "minute": 3, "second": 36}
